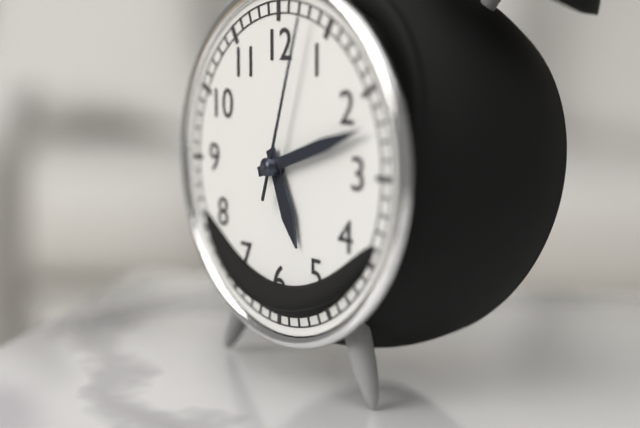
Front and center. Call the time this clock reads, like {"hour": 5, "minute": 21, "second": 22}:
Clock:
{"hour": 5, "minute": 12, "second": 3}
